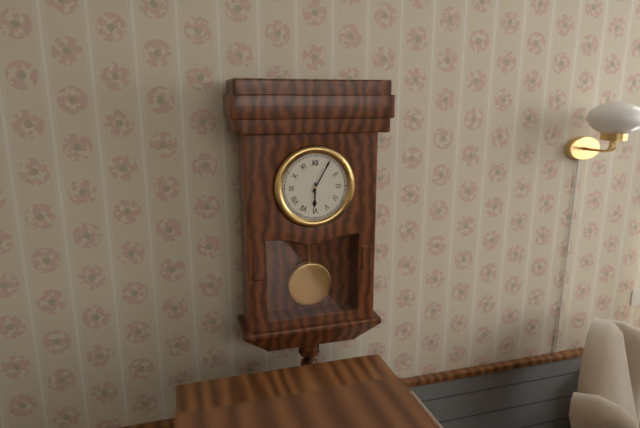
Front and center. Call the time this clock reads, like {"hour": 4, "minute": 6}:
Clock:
{"hour": 6, "minute": 5}
